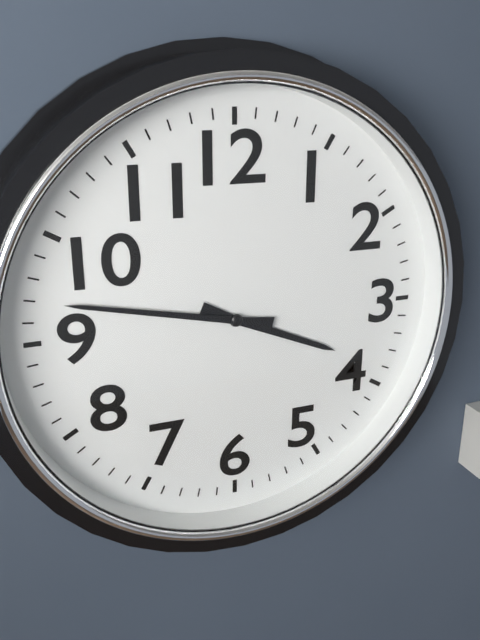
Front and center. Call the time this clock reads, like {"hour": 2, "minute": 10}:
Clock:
{"hour": 3, "minute": 47}
